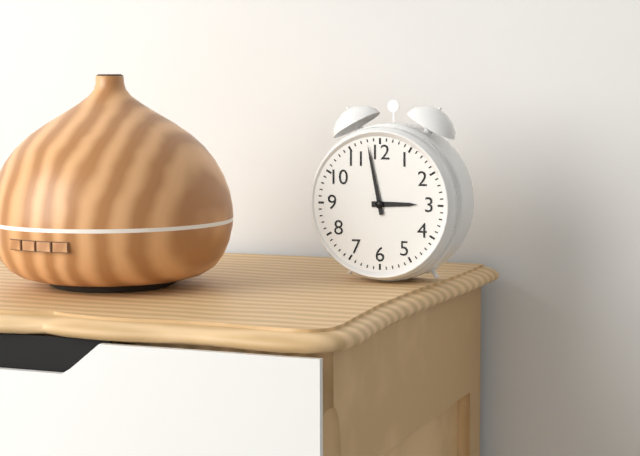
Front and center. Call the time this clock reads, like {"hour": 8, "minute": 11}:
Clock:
{"hour": 2, "minute": 58}
